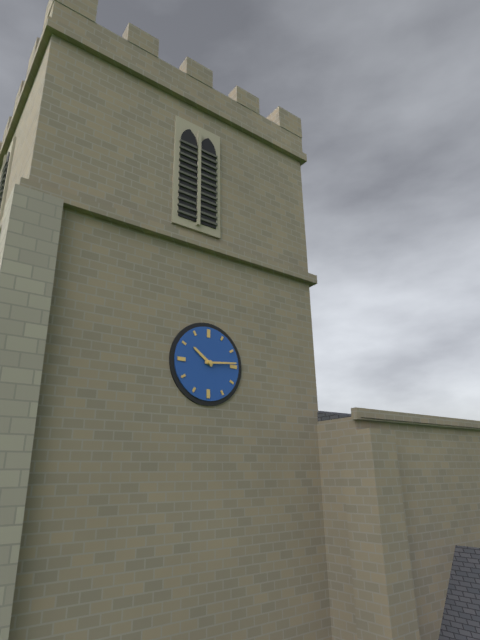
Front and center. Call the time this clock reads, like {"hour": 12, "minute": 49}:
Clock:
{"hour": 10, "minute": 14}
